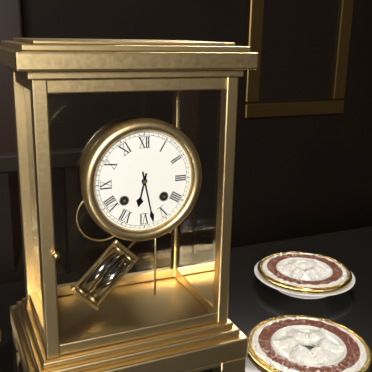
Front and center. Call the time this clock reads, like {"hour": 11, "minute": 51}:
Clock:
{"hour": 6, "minute": 28}
